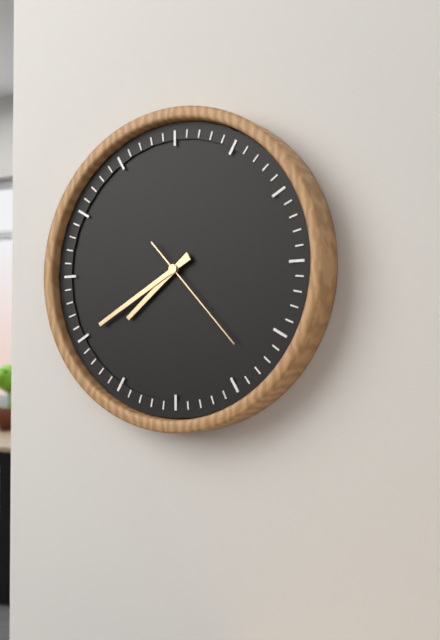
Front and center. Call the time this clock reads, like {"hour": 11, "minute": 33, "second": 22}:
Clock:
{"hour": 7, "minute": 40, "second": 23}
